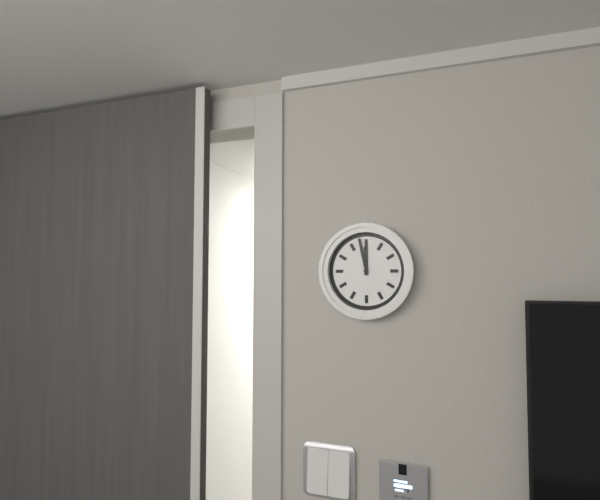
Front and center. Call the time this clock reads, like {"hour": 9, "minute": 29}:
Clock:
{"hour": 11, "minute": 58}
